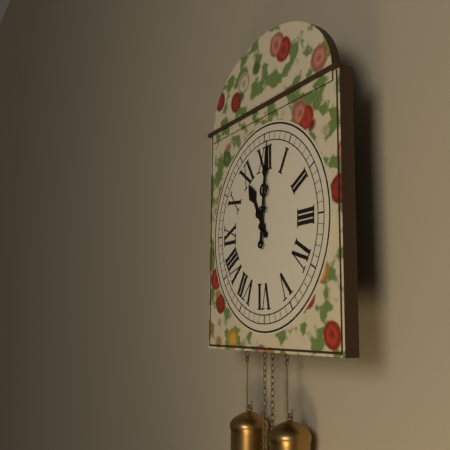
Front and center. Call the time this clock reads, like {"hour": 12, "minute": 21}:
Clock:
{"hour": 11, "minute": 1}
